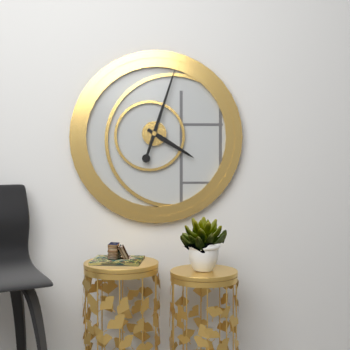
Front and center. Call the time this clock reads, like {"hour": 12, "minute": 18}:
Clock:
{"hour": 4, "minute": 3}
